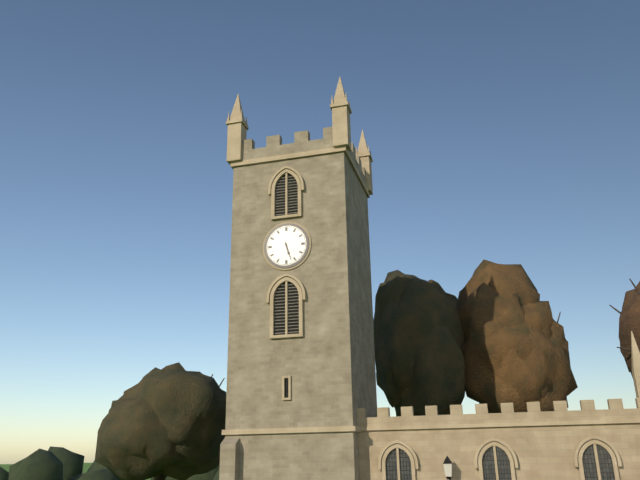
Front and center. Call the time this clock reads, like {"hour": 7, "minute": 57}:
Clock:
{"hour": 5, "minute": 27}
